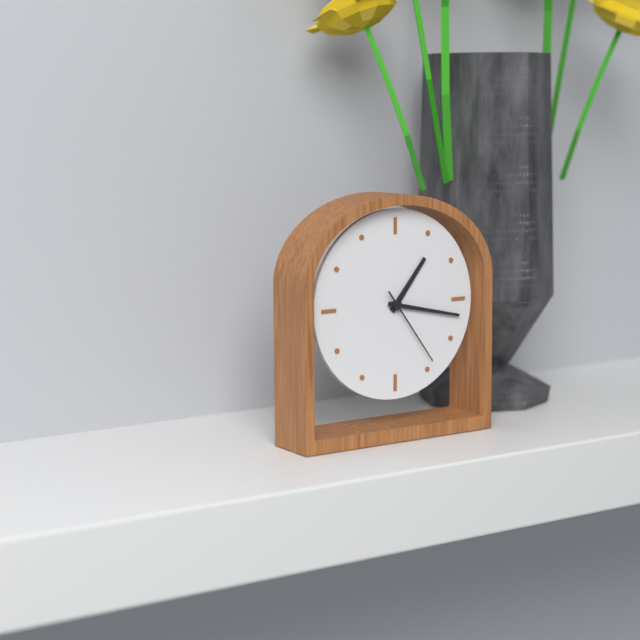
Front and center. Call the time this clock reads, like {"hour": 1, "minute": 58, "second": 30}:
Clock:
{"hour": 1, "minute": 17, "second": 24}
